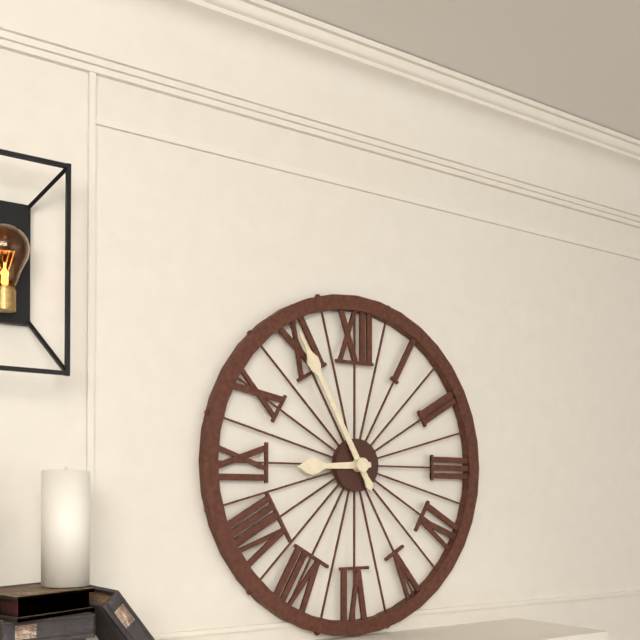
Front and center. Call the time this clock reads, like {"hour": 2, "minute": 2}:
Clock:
{"hour": 8, "minute": 55}
